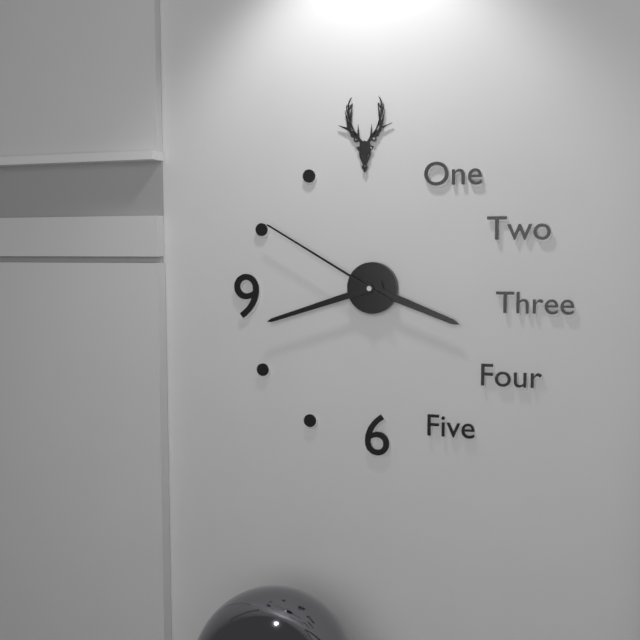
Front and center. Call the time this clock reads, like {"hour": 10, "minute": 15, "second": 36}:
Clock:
{"hour": 3, "minute": 42, "second": 50}
